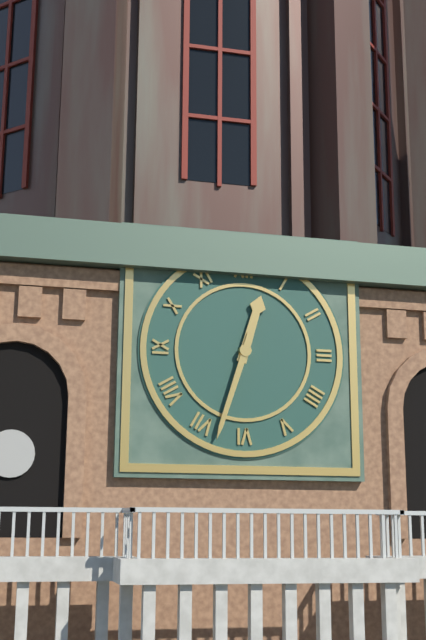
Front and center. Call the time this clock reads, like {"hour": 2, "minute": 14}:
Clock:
{"hour": 12, "minute": 33}
